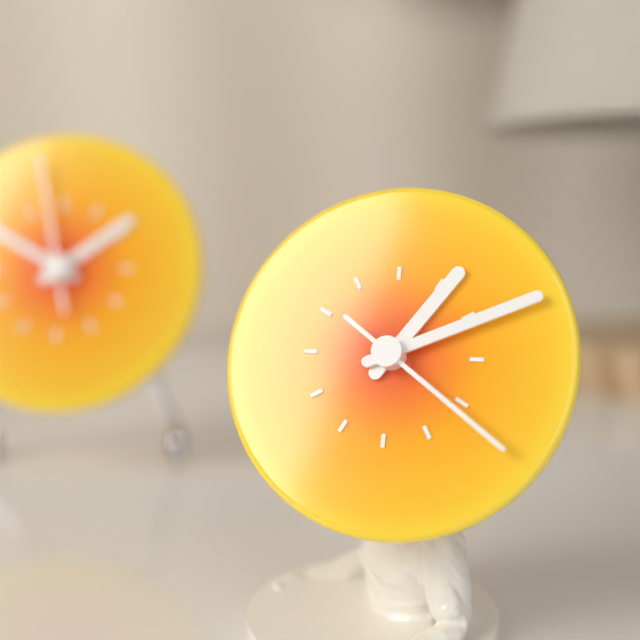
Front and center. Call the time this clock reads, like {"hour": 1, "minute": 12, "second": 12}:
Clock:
{"hour": 1, "minute": 11, "second": 21}
